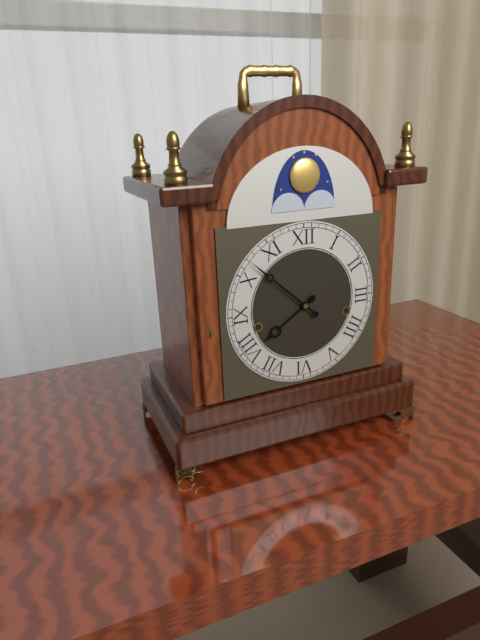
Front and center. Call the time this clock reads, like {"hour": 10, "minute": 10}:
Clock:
{"hour": 7, "minute": 52}
